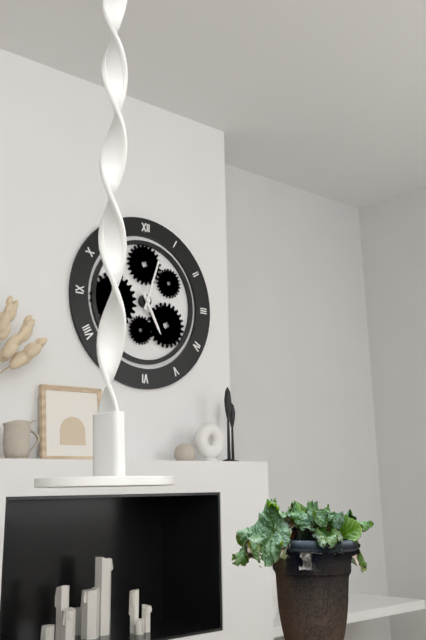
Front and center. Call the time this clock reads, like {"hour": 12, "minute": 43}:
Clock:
{"hour": 5, "minute": 3}
